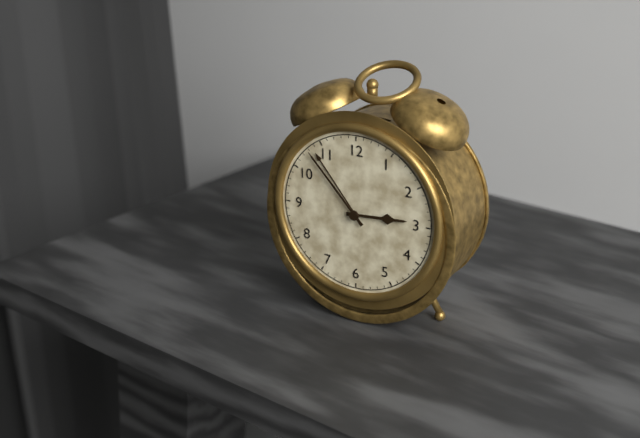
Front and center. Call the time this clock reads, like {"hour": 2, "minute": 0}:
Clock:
{"hour": 2, "minute": 53}
